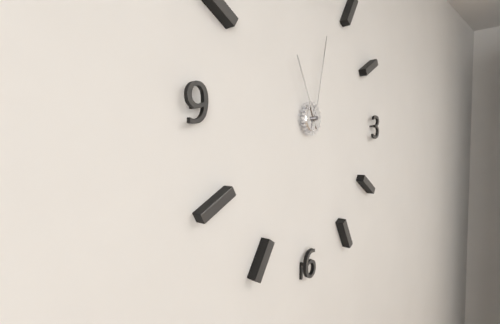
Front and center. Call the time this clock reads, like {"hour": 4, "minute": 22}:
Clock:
{"hour": 11, "minute": 2}
